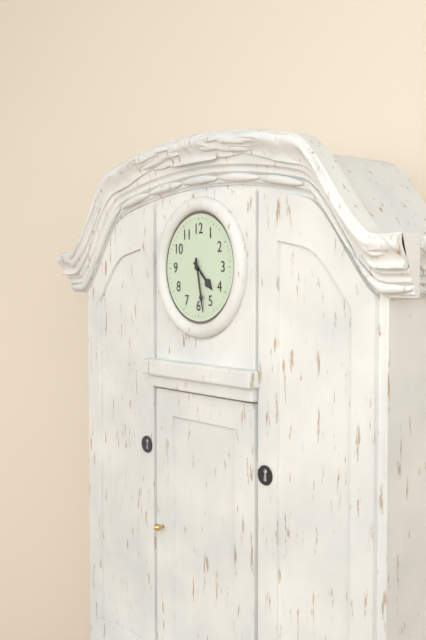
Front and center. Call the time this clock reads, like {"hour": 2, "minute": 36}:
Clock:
{"hour": 4, "minute": 28}
